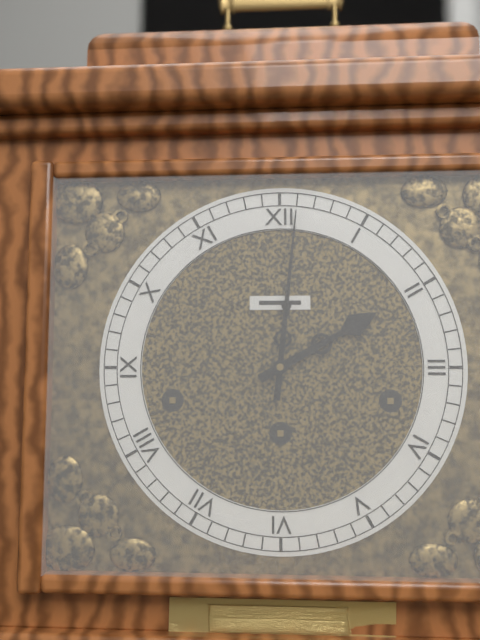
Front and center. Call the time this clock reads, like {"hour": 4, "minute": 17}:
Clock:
{"hour": 2, "minute": 1}
